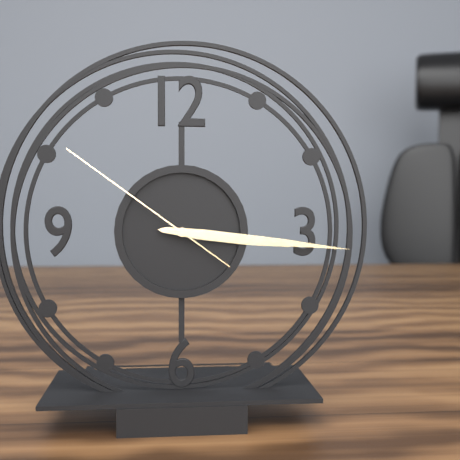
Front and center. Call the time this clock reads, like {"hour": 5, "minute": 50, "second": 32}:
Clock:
{"hour": 3, "minute": 16, "second": 51}
